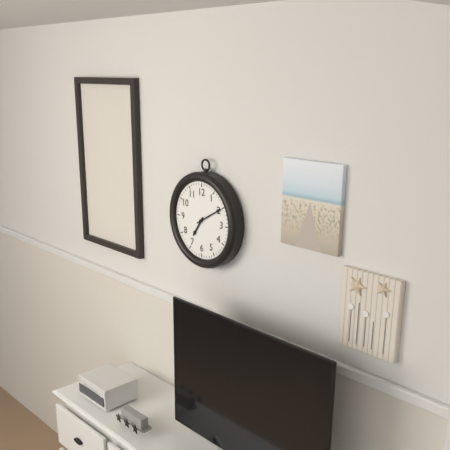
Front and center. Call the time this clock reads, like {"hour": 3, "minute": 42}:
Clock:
{"hour": 7, "minute": 10}
